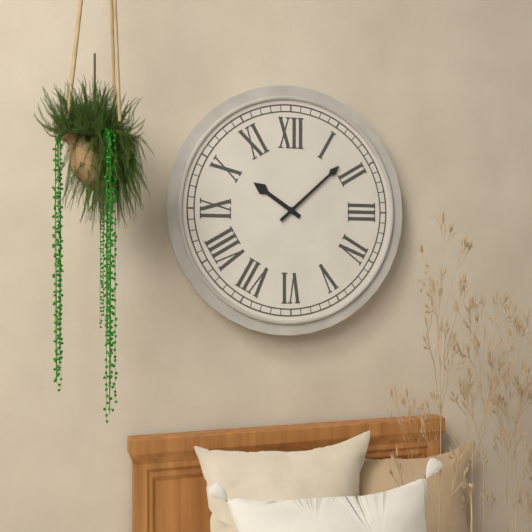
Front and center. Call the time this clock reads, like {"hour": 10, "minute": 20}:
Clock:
{"hour": 10, "minute": 8}
